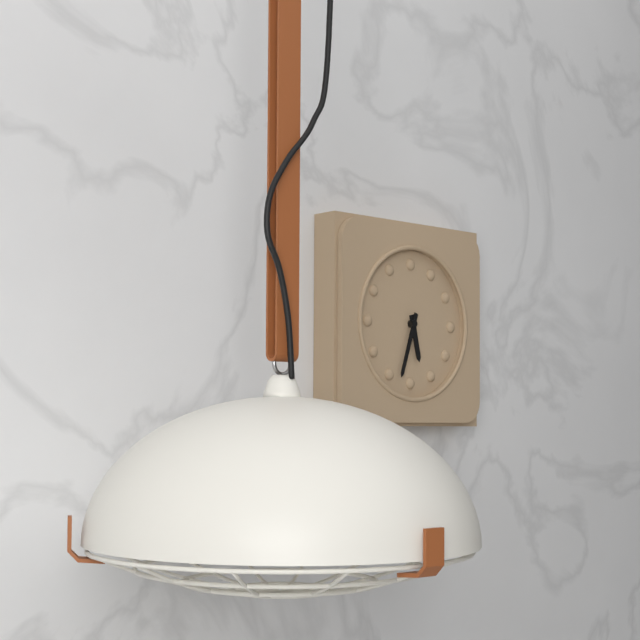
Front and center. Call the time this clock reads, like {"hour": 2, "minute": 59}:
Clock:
{"hour": 5, "minute": 33}
